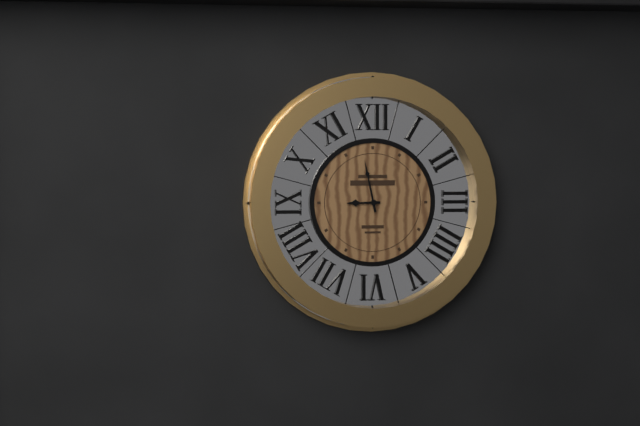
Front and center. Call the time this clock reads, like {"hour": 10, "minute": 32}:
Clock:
{"hour": 8, "minute": 58}
